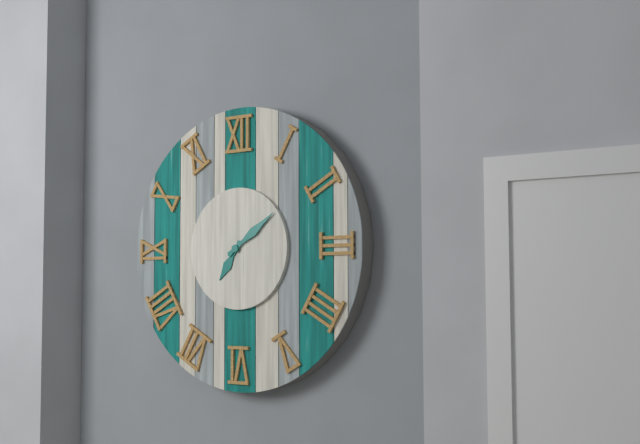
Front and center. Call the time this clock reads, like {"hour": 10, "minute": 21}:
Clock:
{"hour": 7, "minute": 9}
